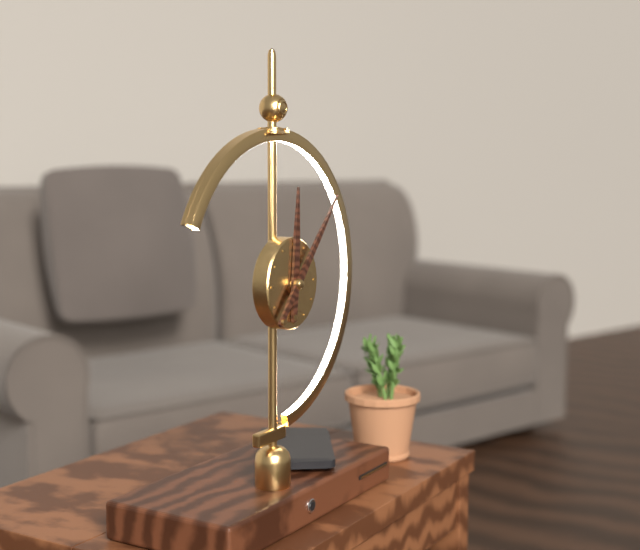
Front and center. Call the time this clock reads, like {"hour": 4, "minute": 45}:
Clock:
{"hour": 12, "minute": 7}
